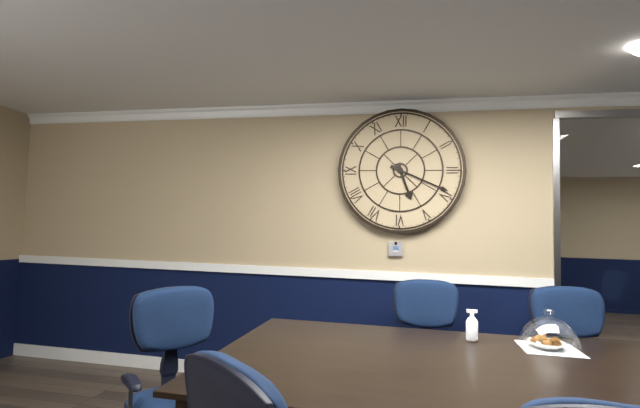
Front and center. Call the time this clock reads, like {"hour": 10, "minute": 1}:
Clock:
{"hour": 5, "minute": 19}
